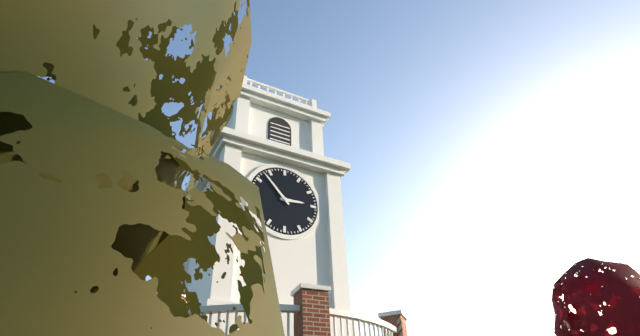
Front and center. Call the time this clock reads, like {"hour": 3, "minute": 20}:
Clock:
{"hour": 2, "minute": 53}
